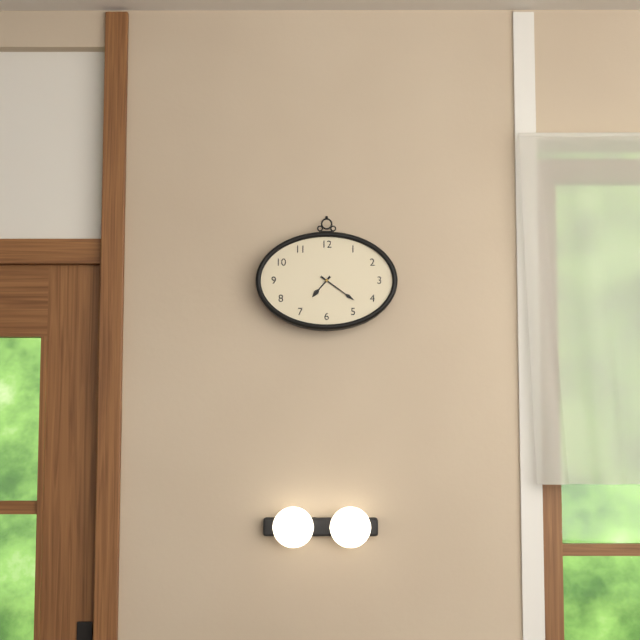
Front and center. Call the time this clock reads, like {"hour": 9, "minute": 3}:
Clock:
{"hour": 7, "minute": 21}
